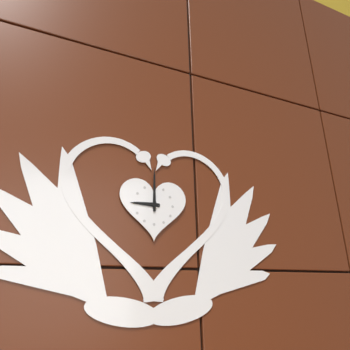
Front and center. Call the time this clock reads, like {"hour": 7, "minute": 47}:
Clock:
{"hour": 9, "minute": 0}
